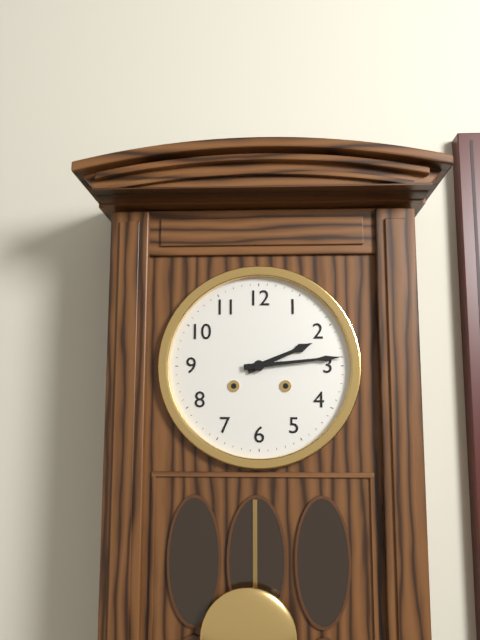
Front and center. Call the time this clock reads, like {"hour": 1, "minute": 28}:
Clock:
{"hour": 2, "minute": 14}
